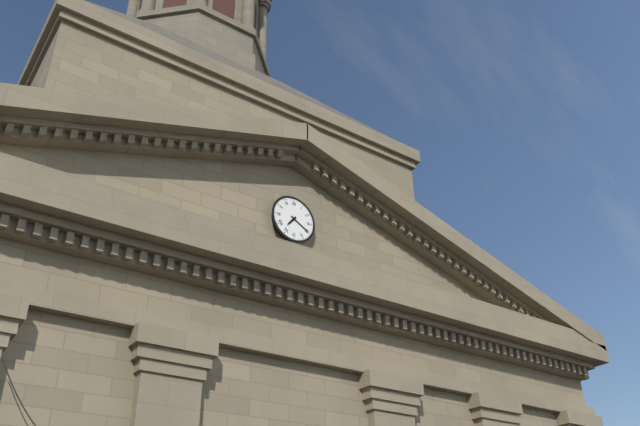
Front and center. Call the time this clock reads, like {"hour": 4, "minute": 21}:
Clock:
{"hour": 7, "minute": 20}
